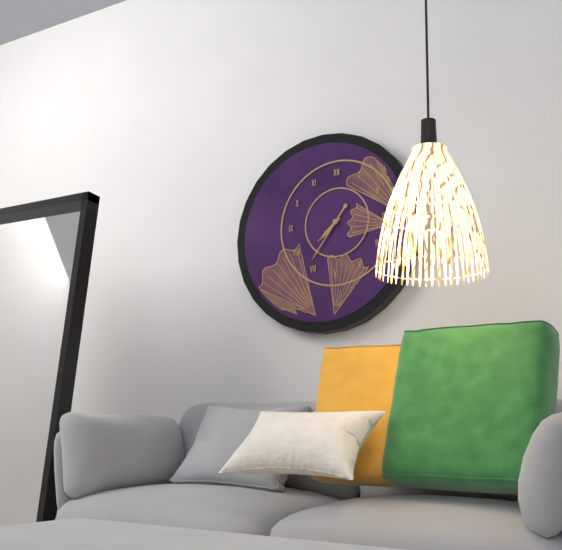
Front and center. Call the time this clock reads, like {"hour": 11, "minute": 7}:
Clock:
{"hour": 7, "minute": 36}
